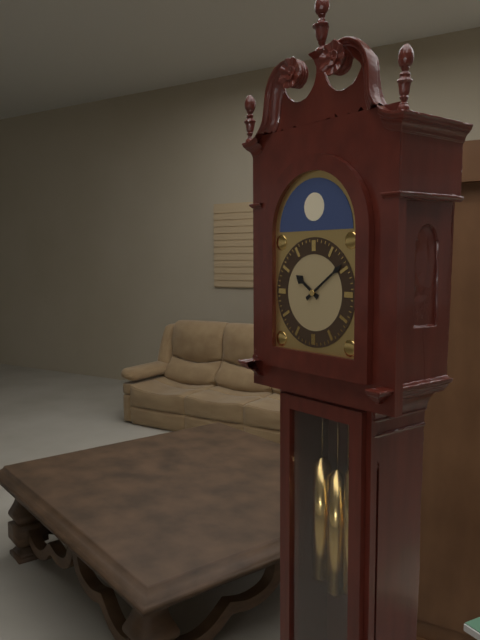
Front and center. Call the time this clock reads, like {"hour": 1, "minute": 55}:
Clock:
{"hour": 10, "minute": 9}
